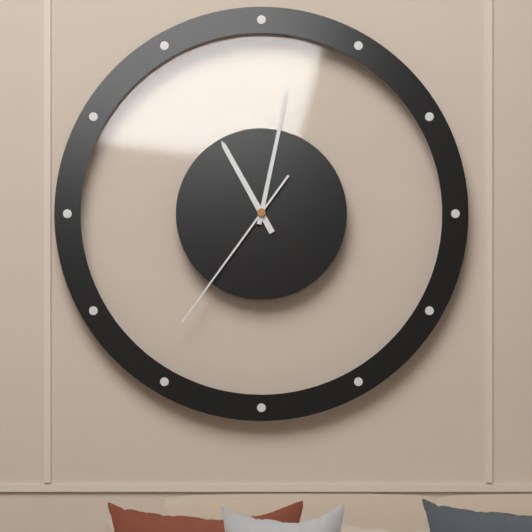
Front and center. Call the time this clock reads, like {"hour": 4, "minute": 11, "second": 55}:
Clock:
{"hour": 11, "minute": 2, "second": 36}
